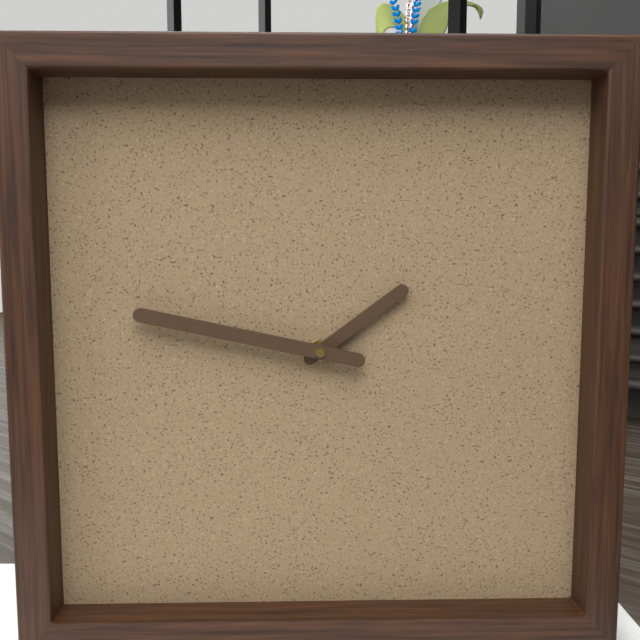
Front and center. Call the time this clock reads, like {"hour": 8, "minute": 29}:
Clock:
{"hour": 1, "minute": 47}
